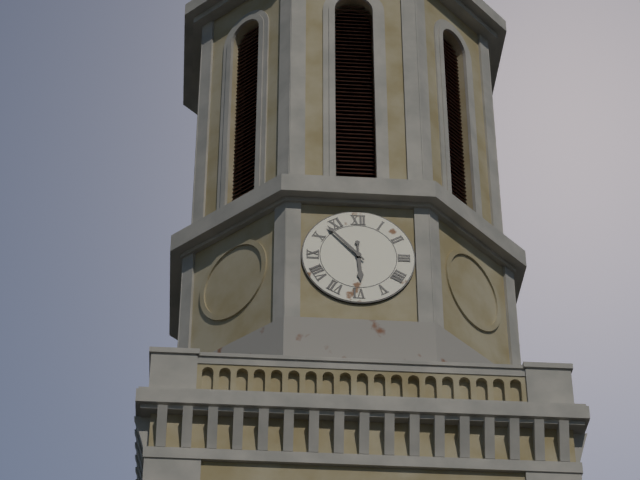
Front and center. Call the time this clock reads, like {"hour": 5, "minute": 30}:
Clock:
{"hour": 5, "minute": 53}
